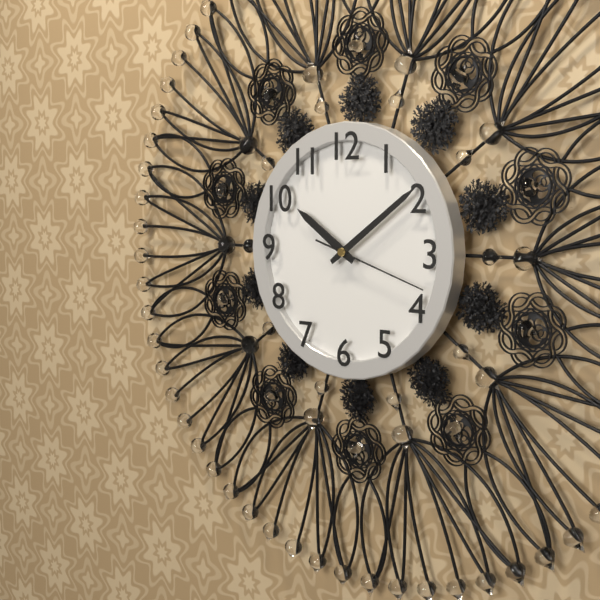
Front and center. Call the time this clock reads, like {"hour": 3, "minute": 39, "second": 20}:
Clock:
{"hour": 10, "minute": 9, "second": 18}
